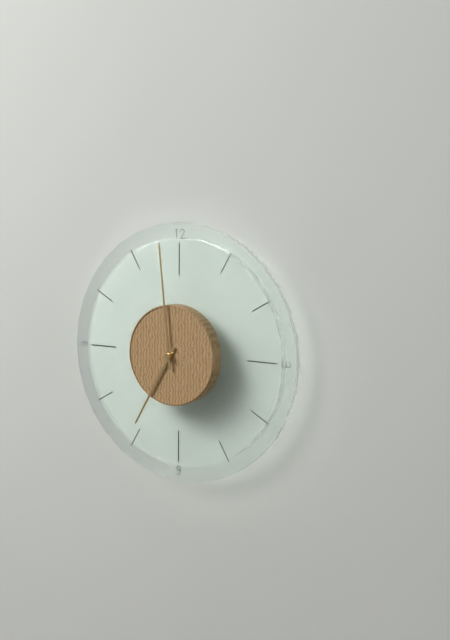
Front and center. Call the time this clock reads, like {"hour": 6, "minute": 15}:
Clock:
{"hour": 6, "minute": 59}
